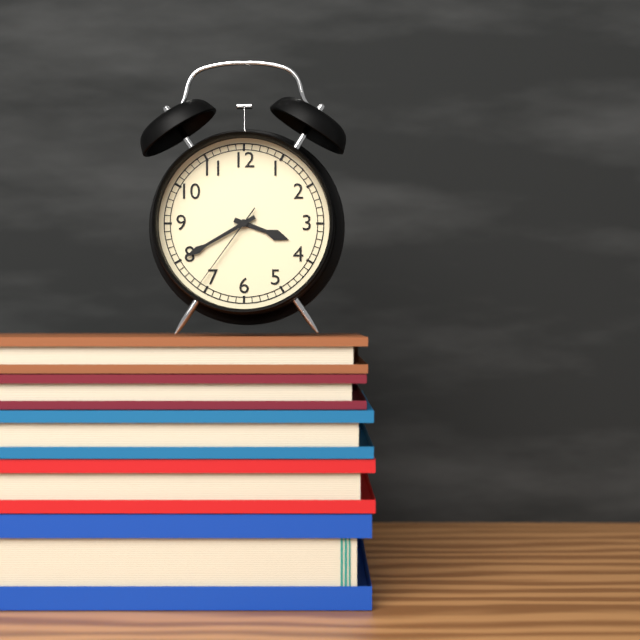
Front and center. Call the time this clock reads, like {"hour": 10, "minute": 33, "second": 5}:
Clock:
{"hour": 3, "minute": 40, "second": 36}
